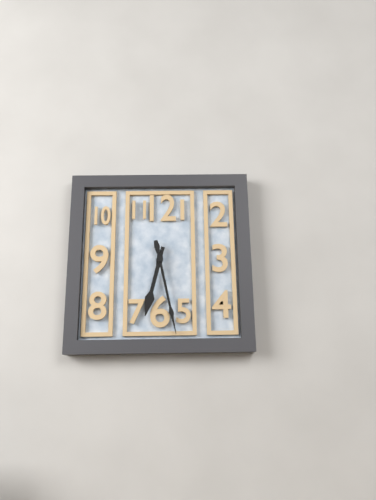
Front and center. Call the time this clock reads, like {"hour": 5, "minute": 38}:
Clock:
{"hour": 6, "minute": 28}
